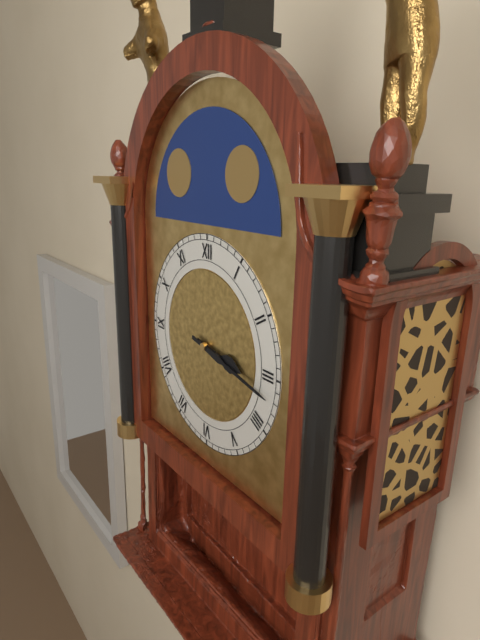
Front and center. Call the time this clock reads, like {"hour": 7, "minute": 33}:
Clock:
{"hour": 3, "minute": 17}
